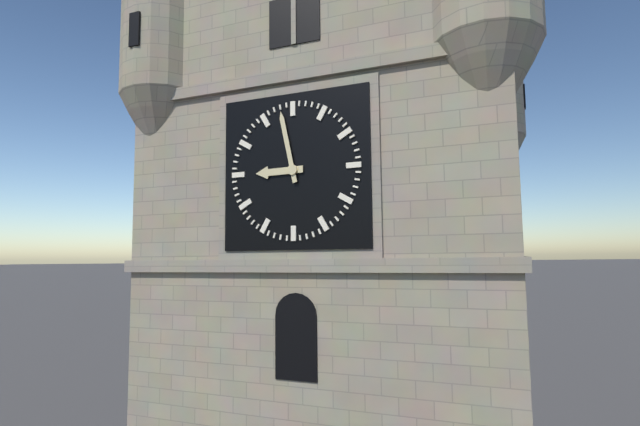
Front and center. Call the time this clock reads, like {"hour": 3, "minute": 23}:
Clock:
{"hour": 8, "minute": 58}
